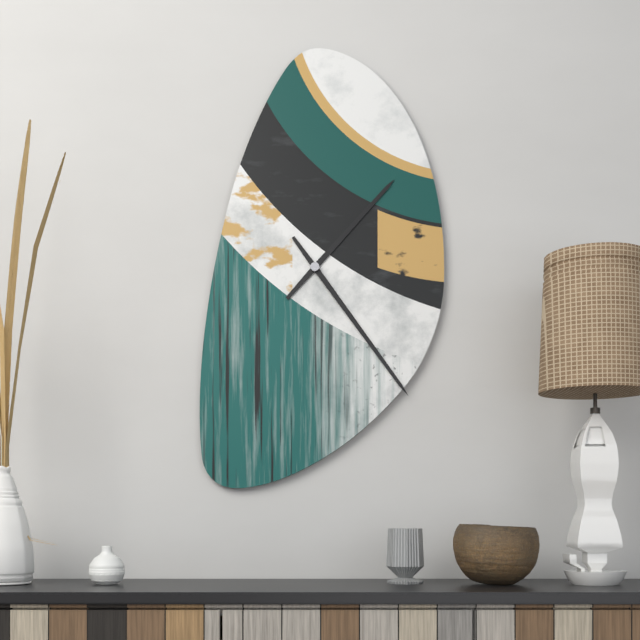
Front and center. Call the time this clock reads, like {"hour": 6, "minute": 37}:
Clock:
{"hour": 1, "minute": 24}
